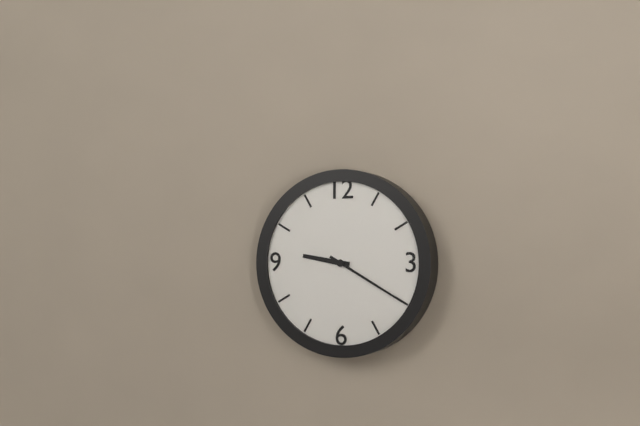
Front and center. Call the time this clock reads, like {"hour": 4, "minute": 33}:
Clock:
{"hour": 9, "minute": 20}
